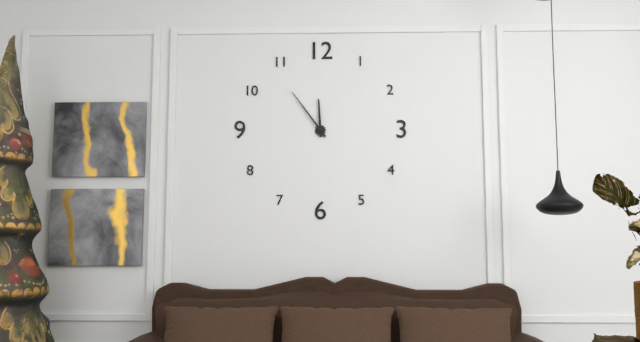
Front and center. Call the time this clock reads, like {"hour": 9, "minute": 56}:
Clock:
{"hour": 11, "minute": 54}
